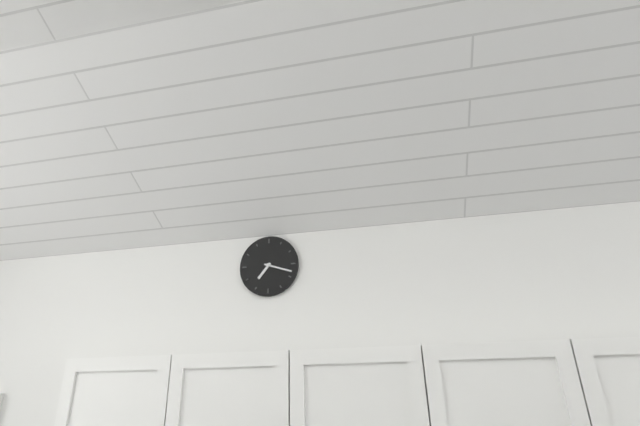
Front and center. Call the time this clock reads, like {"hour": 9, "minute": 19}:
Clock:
{"hour": 7, "minute": 18}
